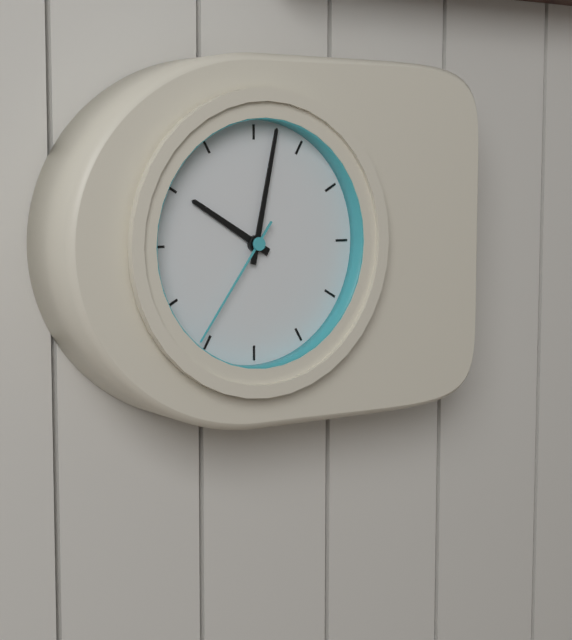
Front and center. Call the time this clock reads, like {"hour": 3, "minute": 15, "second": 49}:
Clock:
{"hour": 10, "minute": 2, "second": 36}
